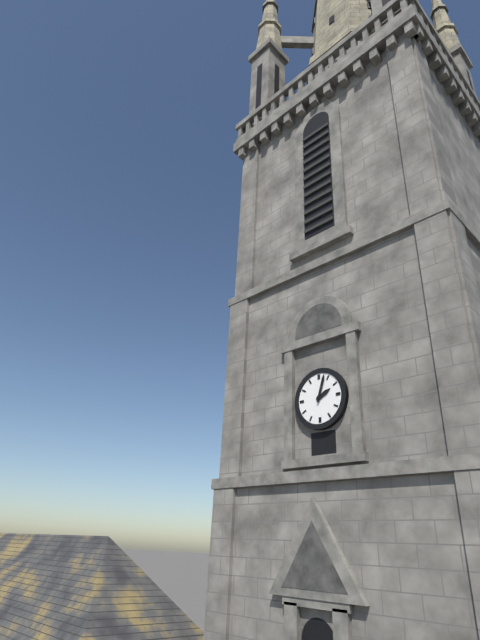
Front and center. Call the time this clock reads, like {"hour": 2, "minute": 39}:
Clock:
{"hour": 2, "minute": 3}
